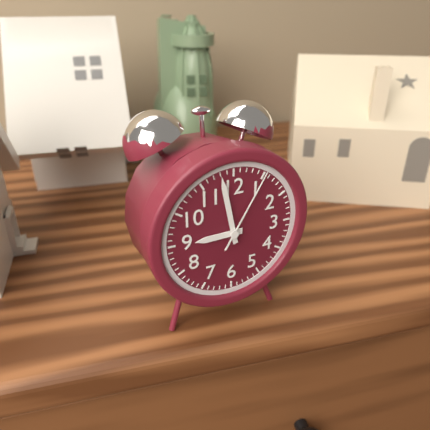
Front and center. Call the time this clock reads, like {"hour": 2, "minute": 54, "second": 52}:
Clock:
{"hour": 8, "minute": 58, "second": 5}
